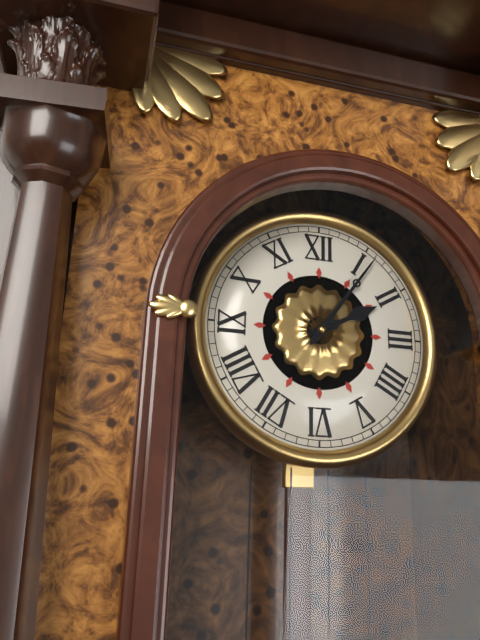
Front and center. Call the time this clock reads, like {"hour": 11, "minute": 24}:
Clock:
{"hour": 2, "minute": 6}
